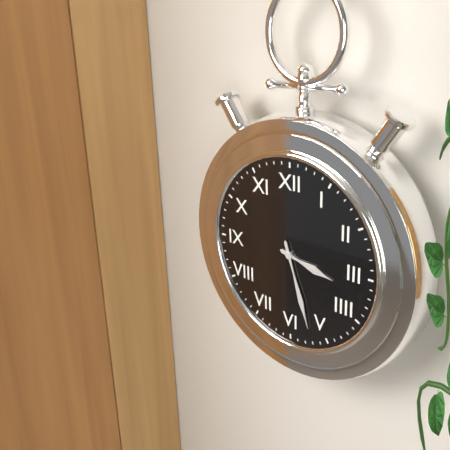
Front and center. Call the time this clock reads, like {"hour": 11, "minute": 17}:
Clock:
{"hour": 3, "minute": 27}
